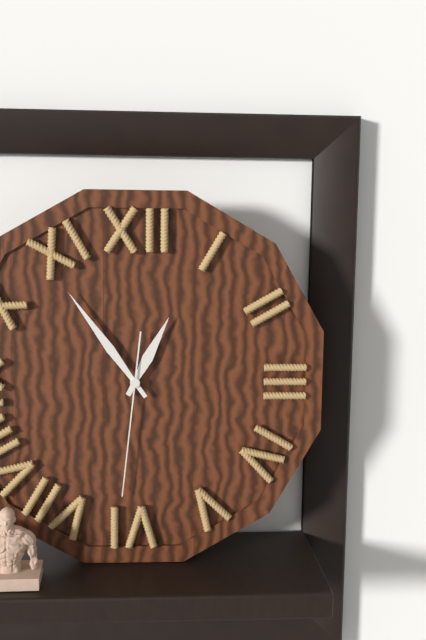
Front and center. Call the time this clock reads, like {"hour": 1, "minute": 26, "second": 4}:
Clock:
{"hour": 12, "minute": 54, "second": 31}
